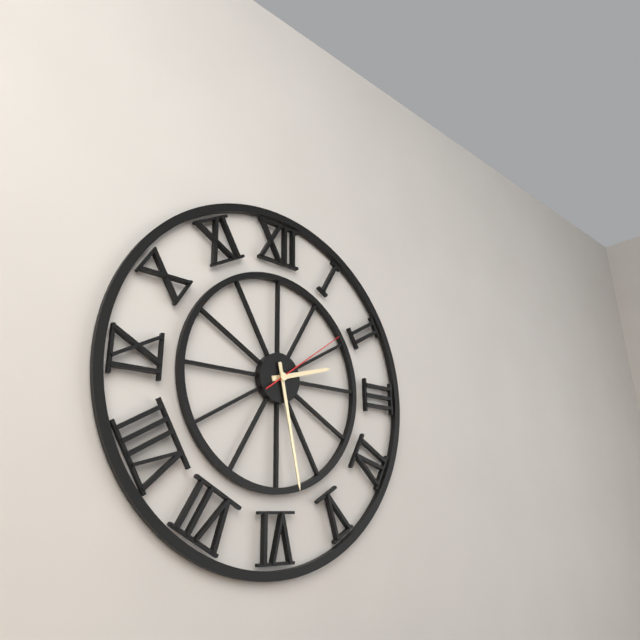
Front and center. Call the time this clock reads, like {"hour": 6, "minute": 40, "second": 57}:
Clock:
{"hour": 2, "minute": 28, "second": 9}
